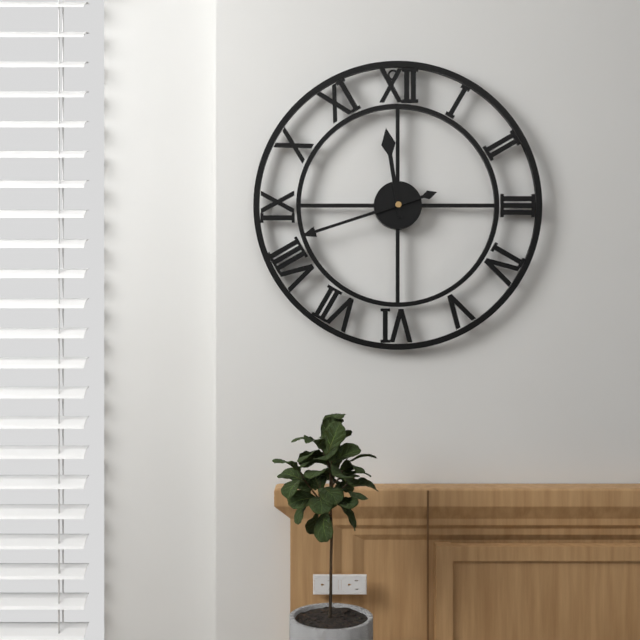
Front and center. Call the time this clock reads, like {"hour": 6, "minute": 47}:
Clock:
{"hour": 11, "minute": 42}
